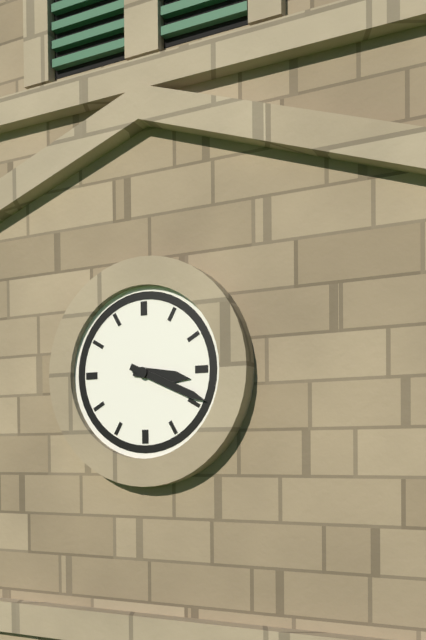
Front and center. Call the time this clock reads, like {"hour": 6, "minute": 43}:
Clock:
{"hour": 3, "minute": 19}
